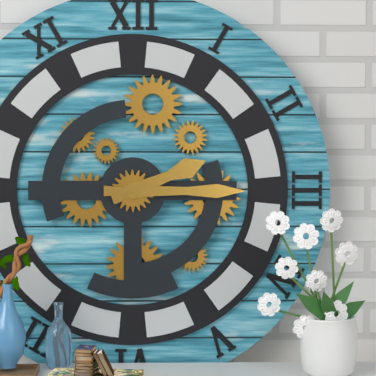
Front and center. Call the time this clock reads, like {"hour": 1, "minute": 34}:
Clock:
{"hour": 2, "minute": 15}
